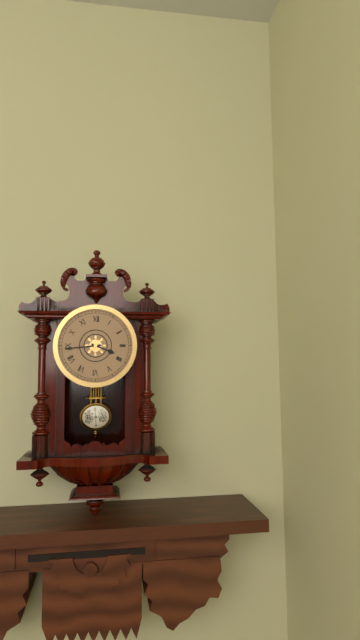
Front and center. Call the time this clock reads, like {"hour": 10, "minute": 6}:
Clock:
{"hour": 3, "minute": 44}
